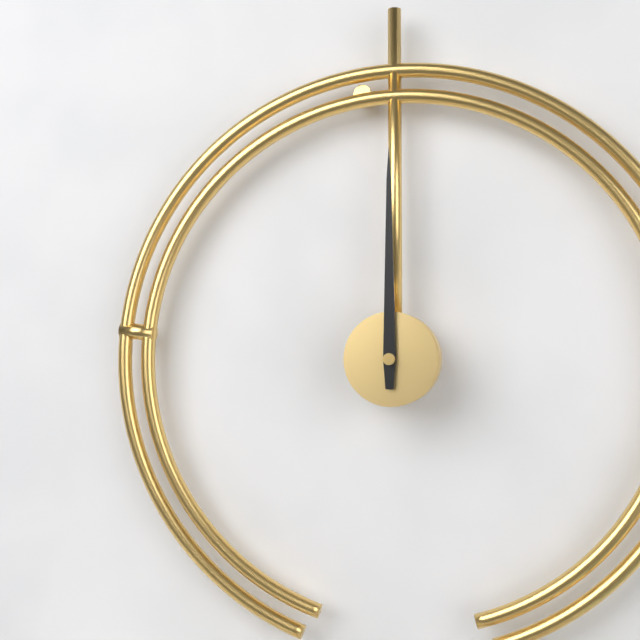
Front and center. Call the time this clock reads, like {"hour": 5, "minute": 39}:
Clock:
{"hour": 12, "minute": 0}
